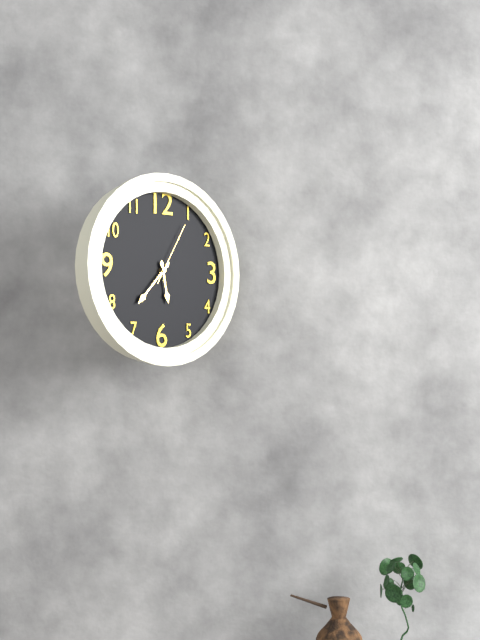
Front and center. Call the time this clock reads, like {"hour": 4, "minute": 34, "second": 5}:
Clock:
{"hour": 5, "minute": 37, "second": 5}
